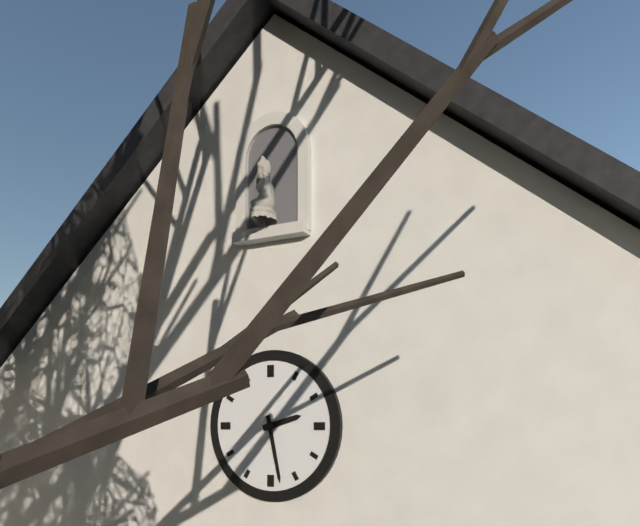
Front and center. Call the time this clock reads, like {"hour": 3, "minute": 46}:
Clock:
{"hour": 2, "minute": 28}
